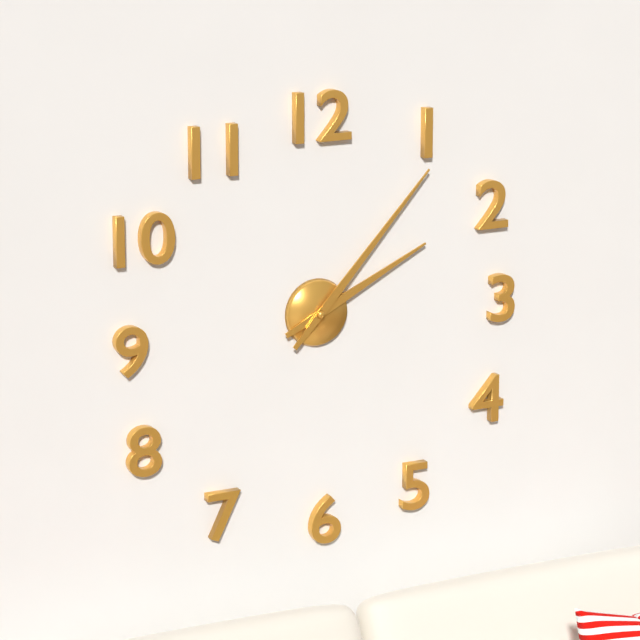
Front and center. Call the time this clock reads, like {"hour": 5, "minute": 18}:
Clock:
{"hour": 2, "minute": 7}
